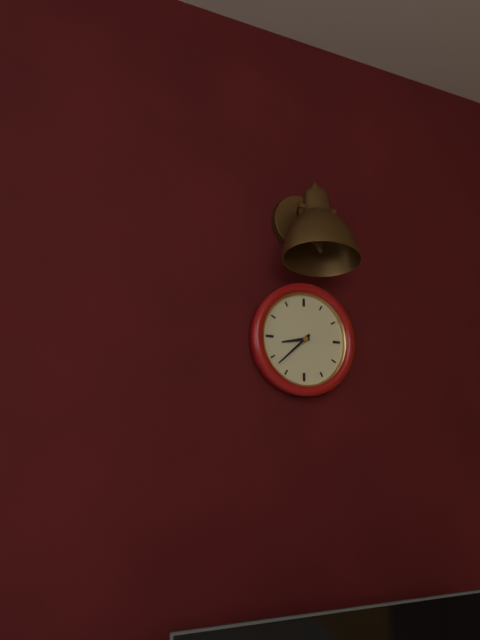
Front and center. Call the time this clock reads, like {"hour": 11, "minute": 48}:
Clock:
{"hour": 8, "minute": 38}
